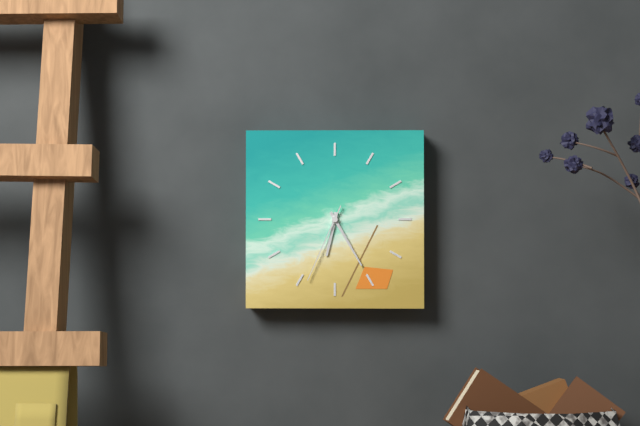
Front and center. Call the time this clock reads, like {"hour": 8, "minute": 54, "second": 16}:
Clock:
{"hour": 6, "minute": 25, "second": 34}
